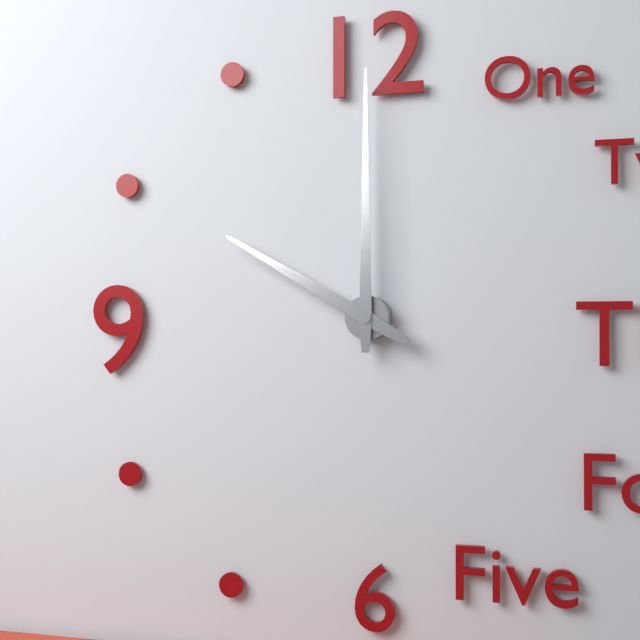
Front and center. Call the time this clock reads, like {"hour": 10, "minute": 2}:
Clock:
{"hour": 10, "minute": 0}
